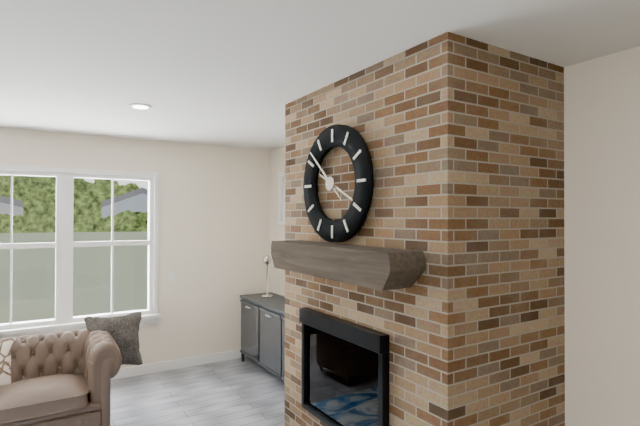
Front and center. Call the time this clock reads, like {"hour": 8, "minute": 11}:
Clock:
{"hour": 3, "minute": 52}
